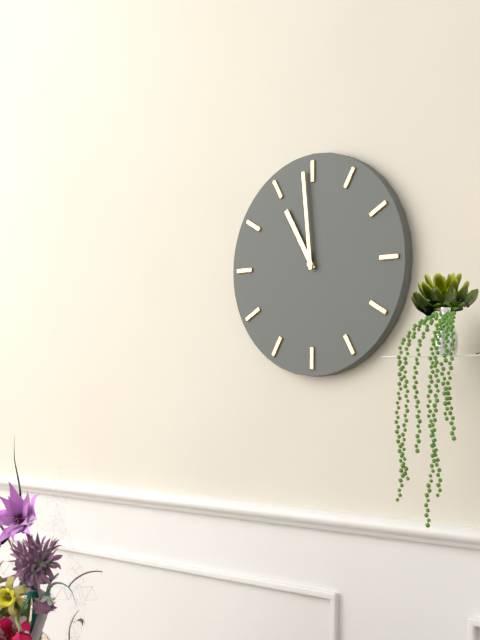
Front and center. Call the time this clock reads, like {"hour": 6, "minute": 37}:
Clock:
{"hour": 10, "minute": 59}
